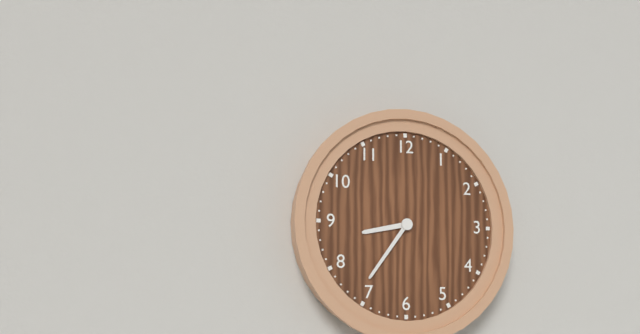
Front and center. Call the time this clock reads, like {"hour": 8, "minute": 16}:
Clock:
{"hour": 8, "minute": 36}
